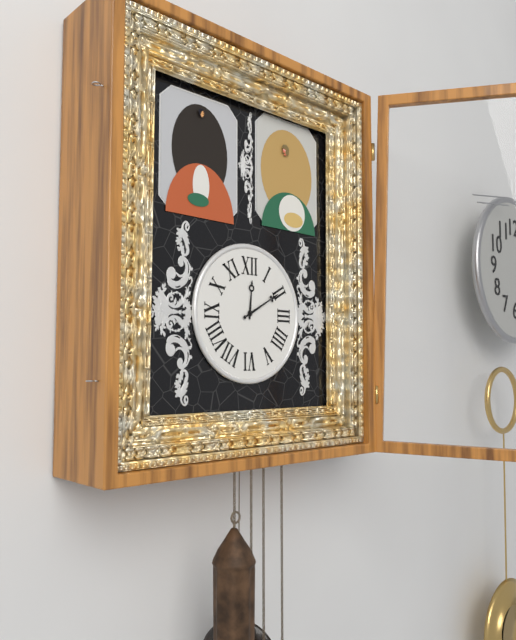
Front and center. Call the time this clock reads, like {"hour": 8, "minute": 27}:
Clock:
{"hour": 12, "minute": 10}
